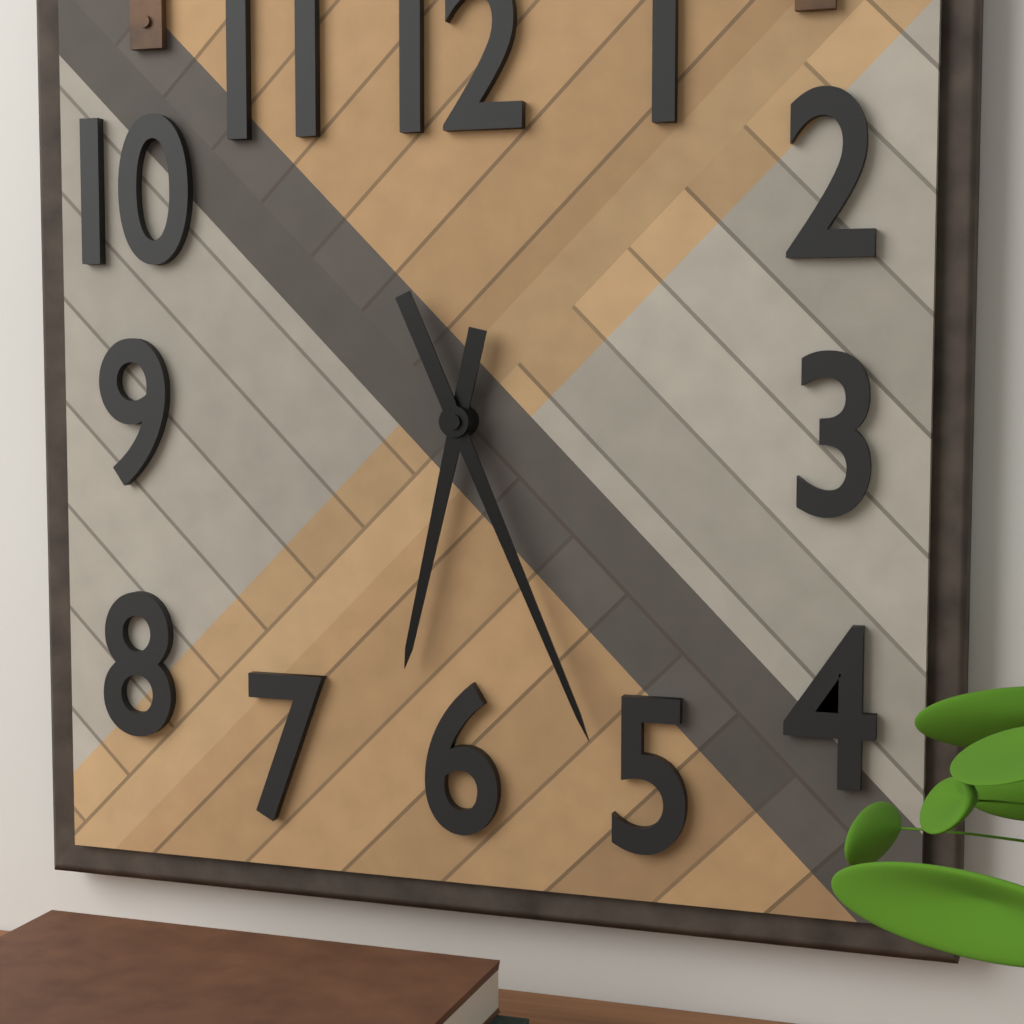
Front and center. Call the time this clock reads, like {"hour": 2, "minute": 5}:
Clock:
{"hour": 6, "minute": 26}
